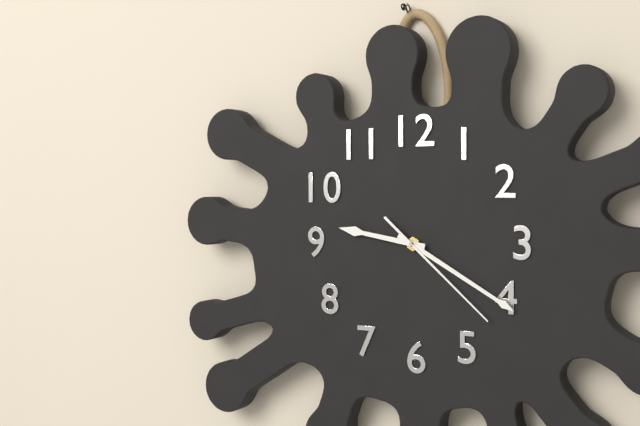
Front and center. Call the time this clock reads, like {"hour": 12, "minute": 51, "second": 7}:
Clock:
{"hour": 9, "minute": 20, "second": 22}
